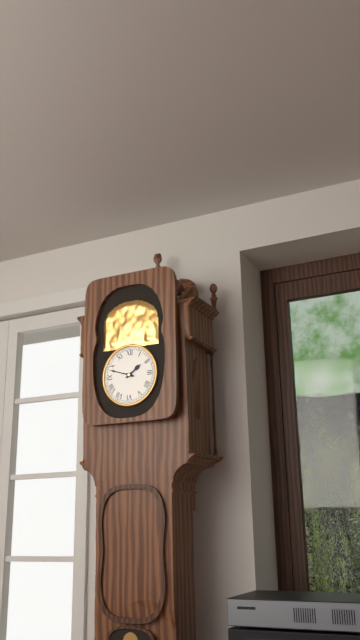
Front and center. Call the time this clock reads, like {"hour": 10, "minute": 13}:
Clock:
{"hour": 1, "minute": 48}
